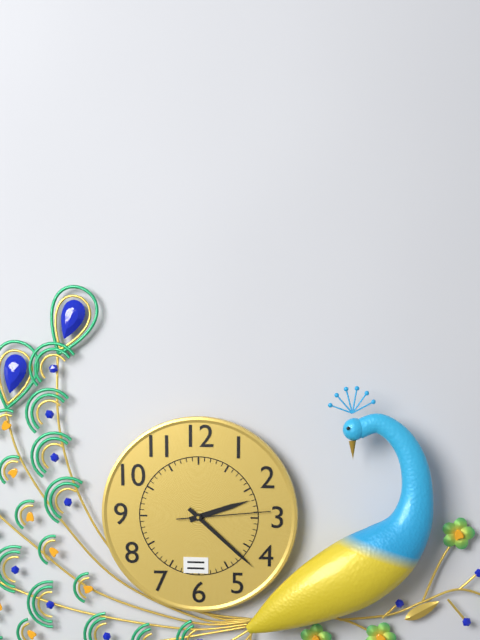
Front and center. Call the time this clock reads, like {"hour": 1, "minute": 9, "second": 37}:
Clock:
{"hour": 2, "minute": 22, "second": 14}
